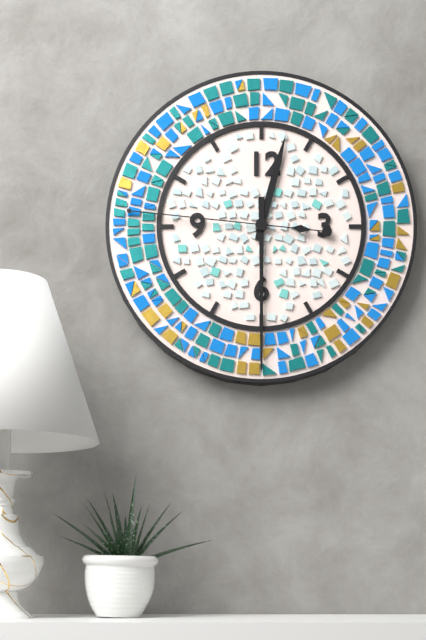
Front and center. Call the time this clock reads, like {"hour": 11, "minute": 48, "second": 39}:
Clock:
{"hour": 12, "minute": 30, "second": 46}
